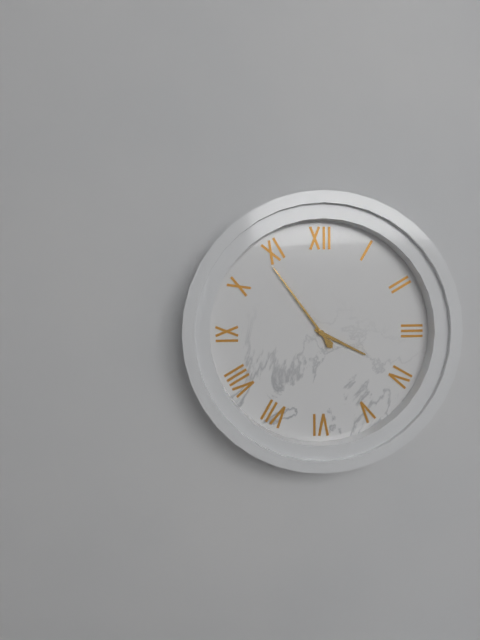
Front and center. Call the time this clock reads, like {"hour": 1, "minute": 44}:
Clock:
{"hour": 3, "minute": 54}
